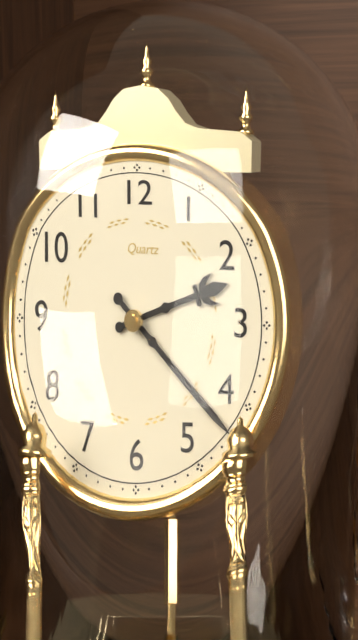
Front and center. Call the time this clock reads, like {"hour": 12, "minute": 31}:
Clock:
{"hour": 2, "minute": 22}
